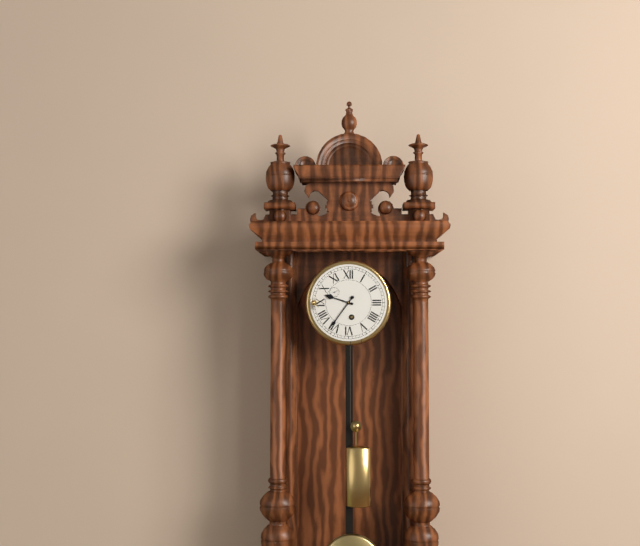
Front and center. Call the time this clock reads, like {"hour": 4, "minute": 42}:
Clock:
{"hour": 9, "minute": 36}
